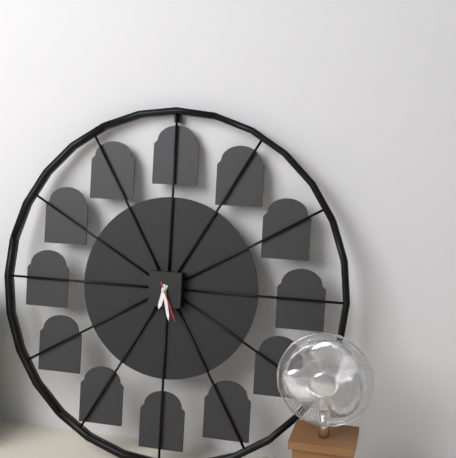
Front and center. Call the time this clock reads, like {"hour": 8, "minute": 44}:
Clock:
{"hour": 6, "minute": 28}
